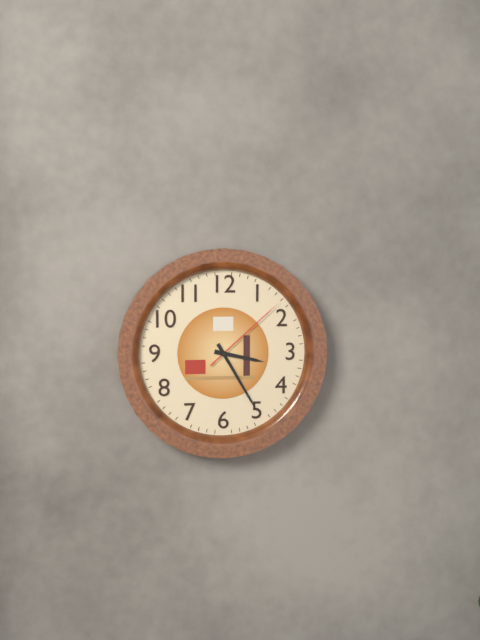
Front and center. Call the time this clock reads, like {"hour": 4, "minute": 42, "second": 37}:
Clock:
{"hour": 3, "minute": 25, "second": 8}
